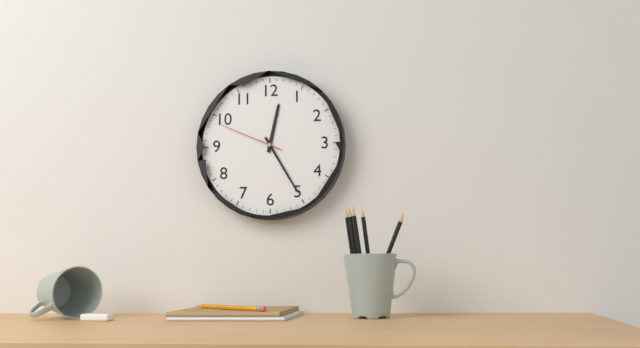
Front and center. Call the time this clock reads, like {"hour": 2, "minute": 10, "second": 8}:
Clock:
{"hour": 12, "minute": 25, "second": 49}
